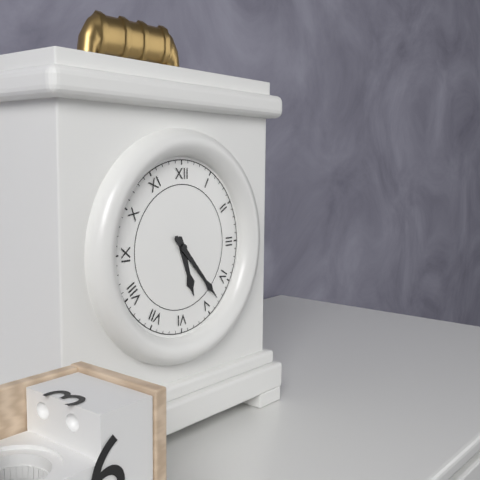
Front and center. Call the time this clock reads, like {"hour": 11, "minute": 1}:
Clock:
{"hour": 5, "minute": 23}
